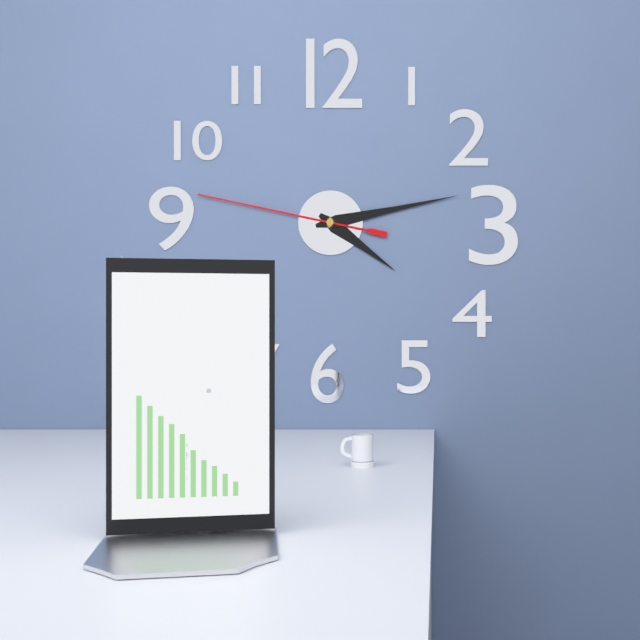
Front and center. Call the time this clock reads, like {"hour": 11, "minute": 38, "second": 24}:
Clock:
{"hour": 4, "minute": 13, "second": 47}
